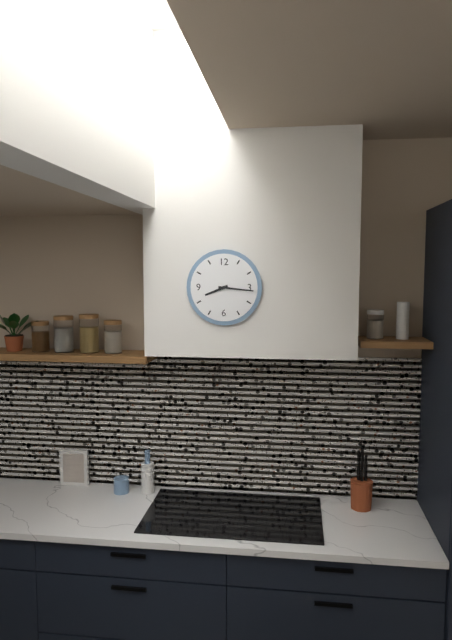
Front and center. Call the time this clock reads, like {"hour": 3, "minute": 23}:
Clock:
{"hour": 8, "minute": 16}
